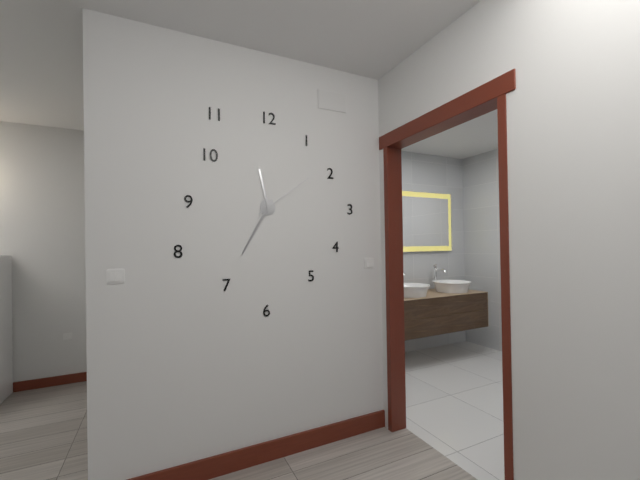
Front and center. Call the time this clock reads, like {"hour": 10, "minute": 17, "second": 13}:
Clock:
{"hour": 11, "minute": 35, "second": 9}
